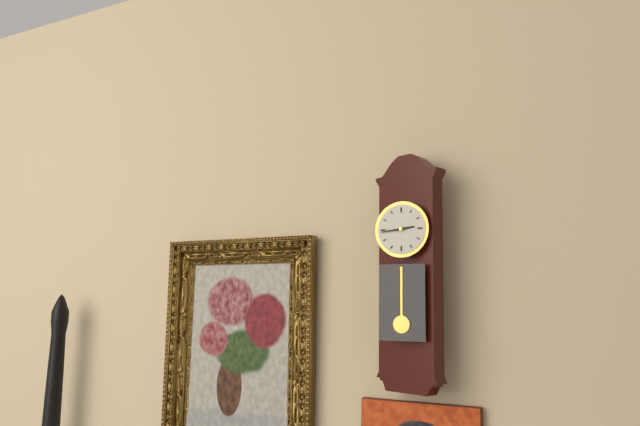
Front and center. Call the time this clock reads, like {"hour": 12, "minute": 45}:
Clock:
{"hour": 2, "minute": 44}
